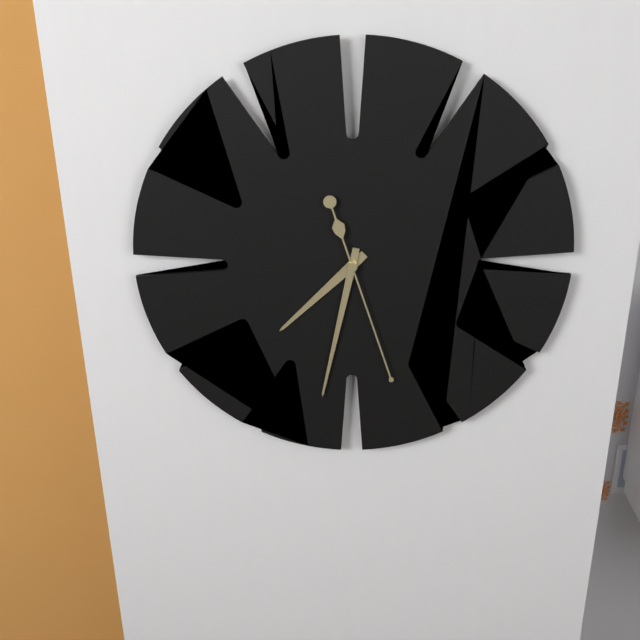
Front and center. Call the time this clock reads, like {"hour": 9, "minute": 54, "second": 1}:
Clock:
{"hour": 7, "minute": 32, "second": 27}
